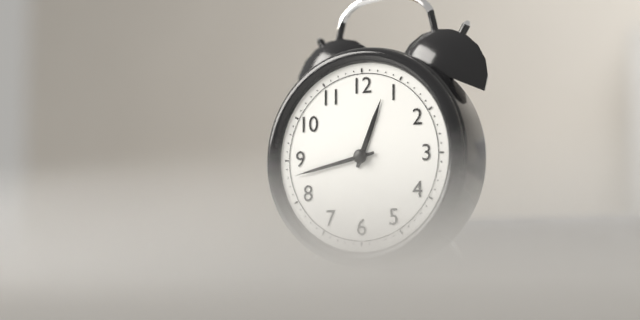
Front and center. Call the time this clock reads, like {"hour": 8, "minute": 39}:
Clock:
{"hour": 12, "minute": 43}
